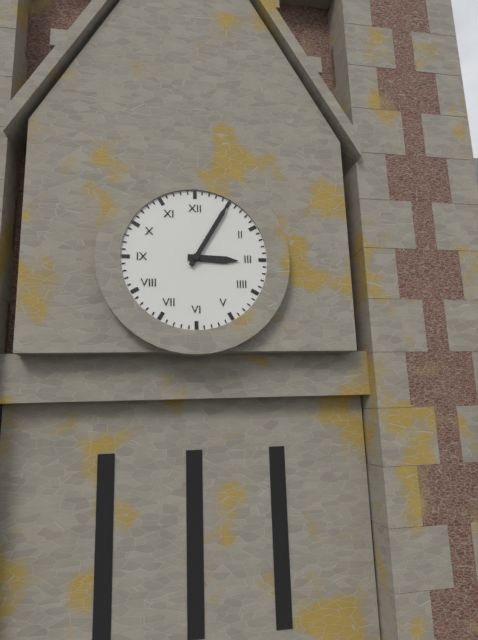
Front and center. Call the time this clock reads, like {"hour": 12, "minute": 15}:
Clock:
{"hour": 3, "minute": 5}
